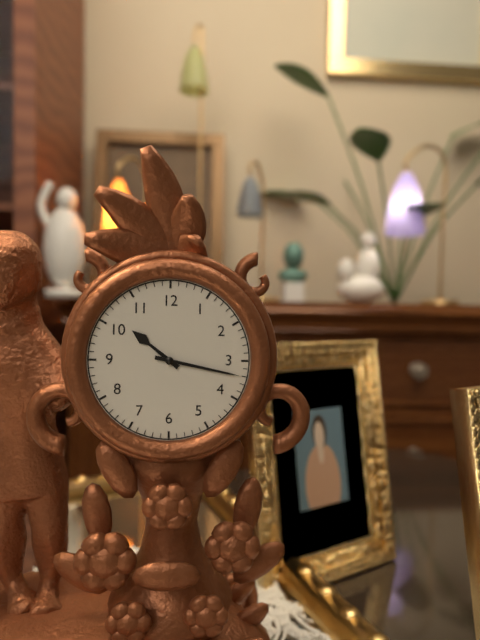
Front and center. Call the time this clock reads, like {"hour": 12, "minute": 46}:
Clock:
{"hour": 10, "minute": 17}
